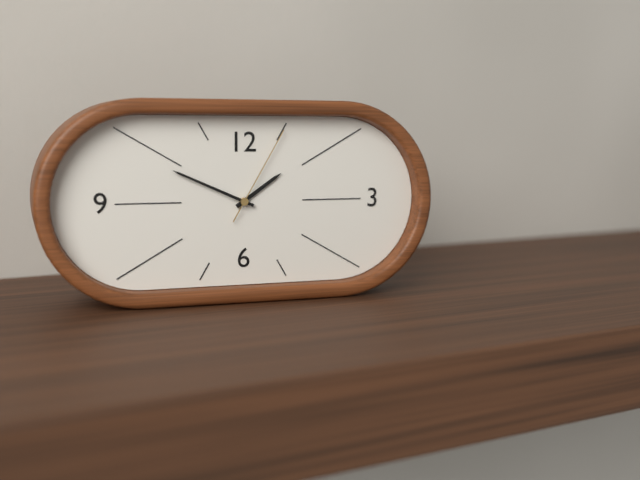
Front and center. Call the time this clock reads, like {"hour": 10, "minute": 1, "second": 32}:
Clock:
{"hour": 1, "minute": 49, "second": 5}
